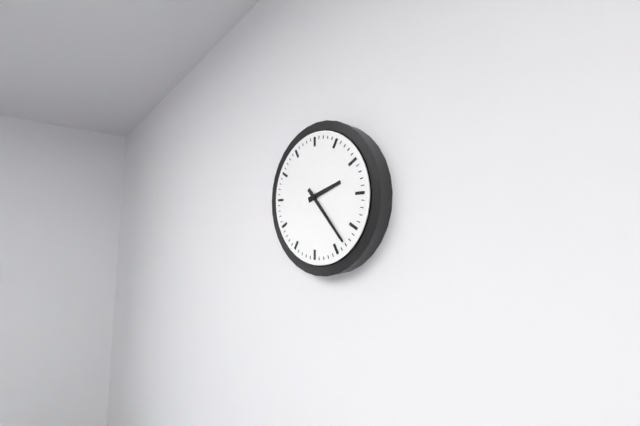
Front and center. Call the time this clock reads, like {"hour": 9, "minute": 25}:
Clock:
{"hour": 2, "minute": 23}
